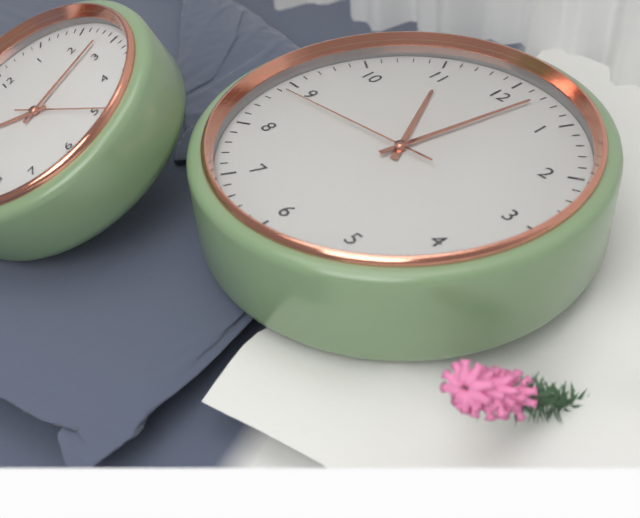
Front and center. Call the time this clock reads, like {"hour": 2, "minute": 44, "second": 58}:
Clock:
{"hour": 11, "minute": 2, "second": 44}
